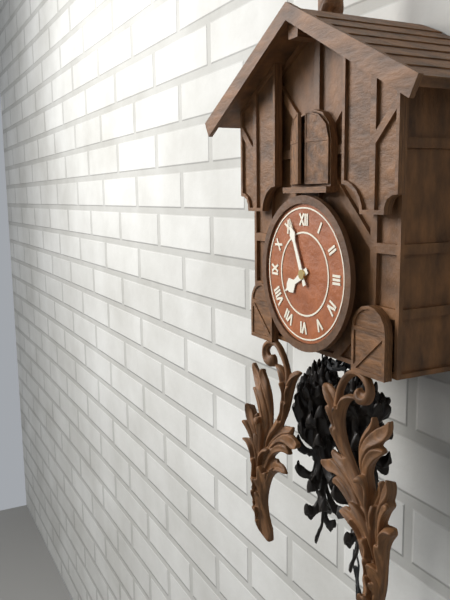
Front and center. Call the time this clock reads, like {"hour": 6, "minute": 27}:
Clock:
{"hour": 7, "minute": 56}
